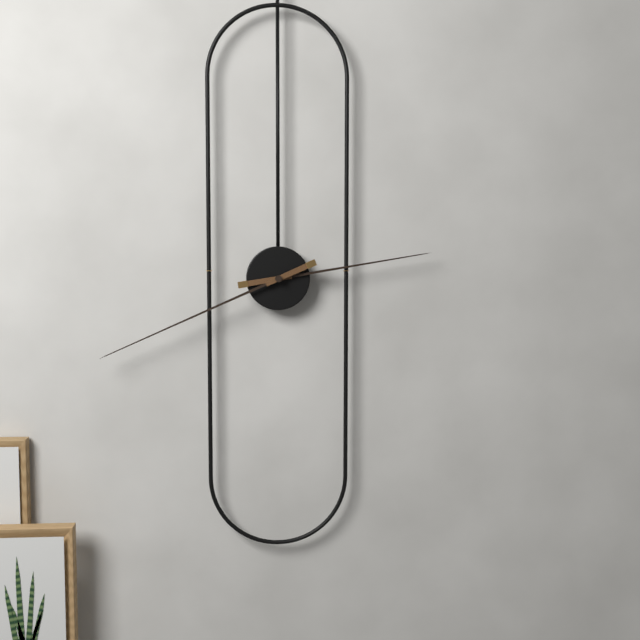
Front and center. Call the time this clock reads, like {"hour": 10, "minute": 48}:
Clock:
{"hour": 2, "minute": 41}
